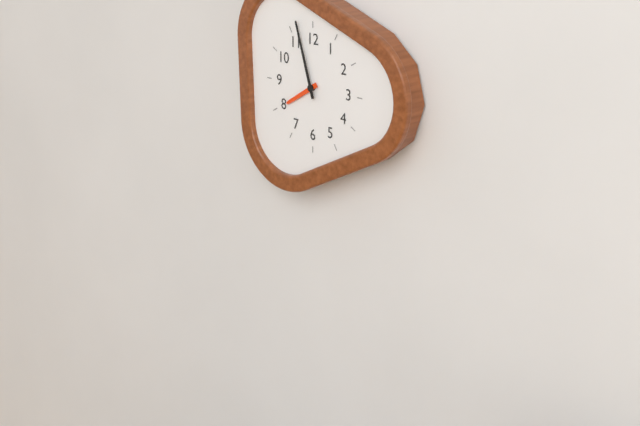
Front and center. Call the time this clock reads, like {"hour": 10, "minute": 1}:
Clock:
{"hour": 7, "minute": 57}
